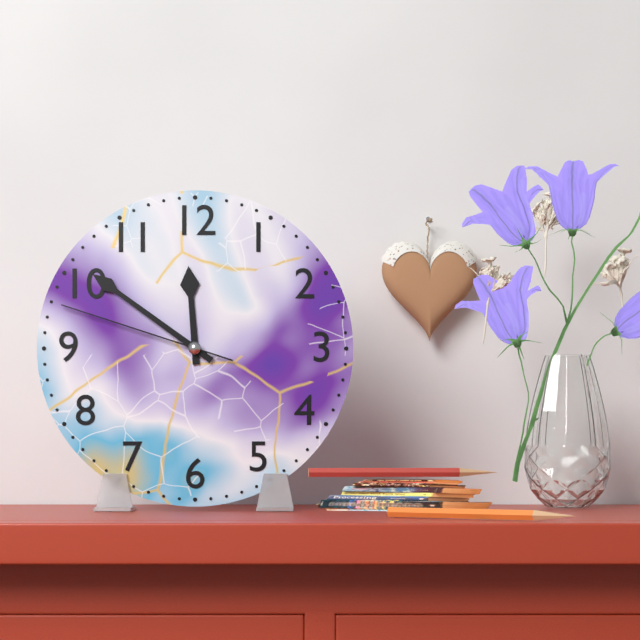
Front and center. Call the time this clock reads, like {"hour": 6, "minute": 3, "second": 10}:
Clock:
{"hour": 11, "minute": 51, "second": 48}
